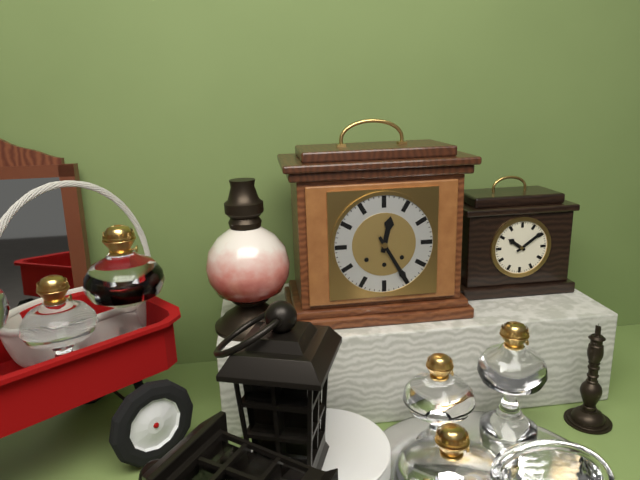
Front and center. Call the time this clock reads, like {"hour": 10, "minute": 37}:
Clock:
{"hour": 12, "minute": 25}
